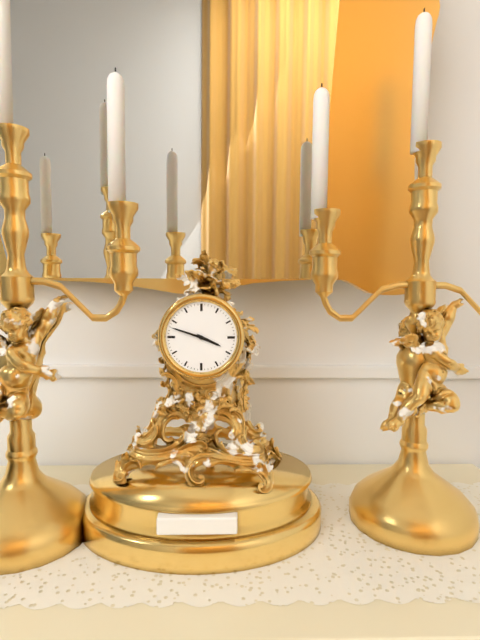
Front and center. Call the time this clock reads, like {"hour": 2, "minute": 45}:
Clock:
{"hour": 3, "minute": 48}
